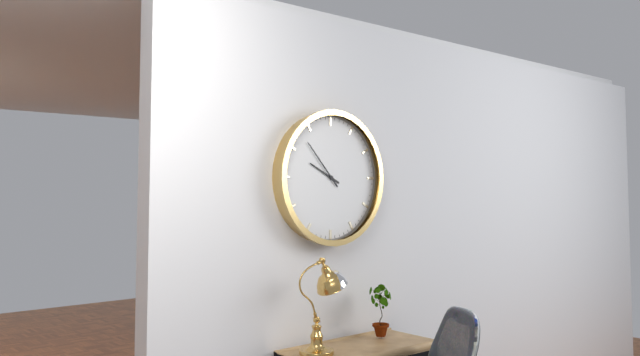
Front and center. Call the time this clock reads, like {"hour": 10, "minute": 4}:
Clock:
{"hour": 9, "minute": 53}
